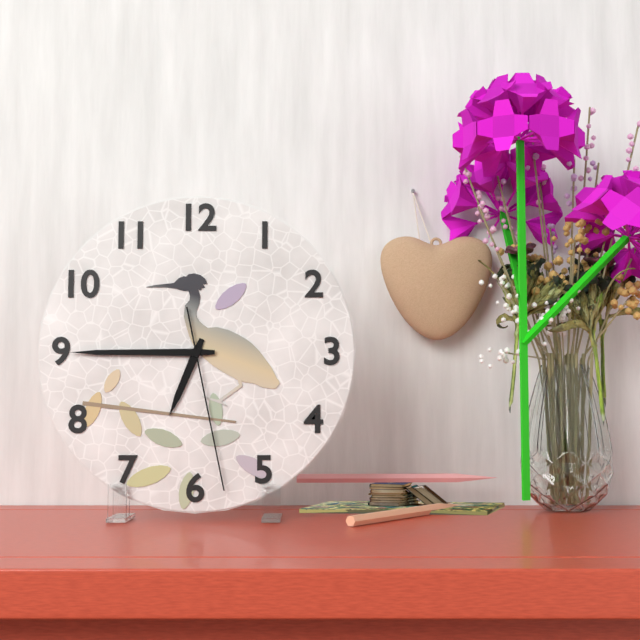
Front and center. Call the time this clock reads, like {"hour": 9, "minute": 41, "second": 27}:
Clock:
{"hour": 6, "minute": 45, "second": 28}
